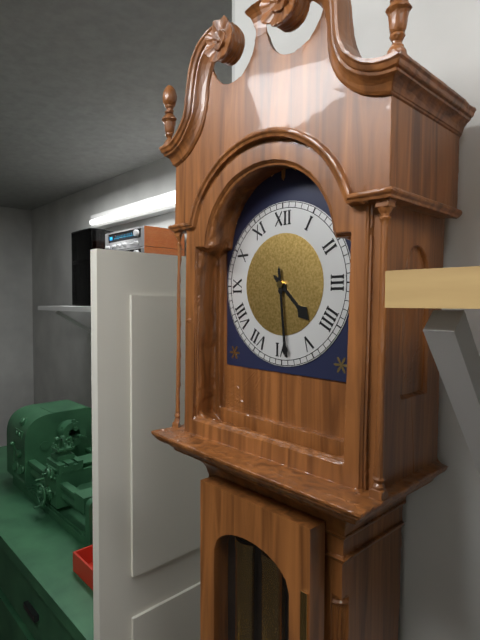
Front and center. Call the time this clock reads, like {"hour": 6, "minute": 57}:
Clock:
{"hour": 4, "minute": 29}
